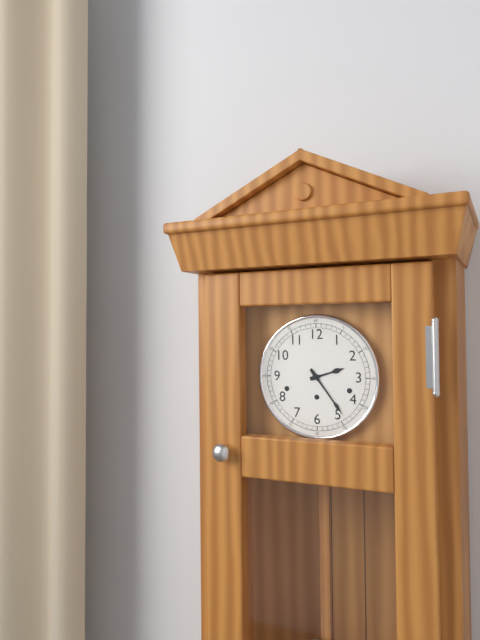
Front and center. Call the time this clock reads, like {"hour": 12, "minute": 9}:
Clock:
{"hour": 2, "minute": 24}
